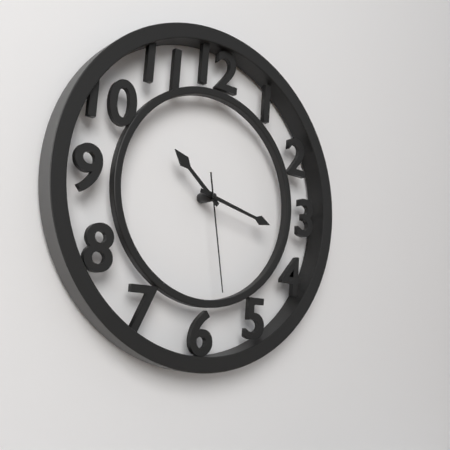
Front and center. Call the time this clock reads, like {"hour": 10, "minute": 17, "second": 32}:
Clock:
{"hour": 10, "minute": 17, "second": 28}
